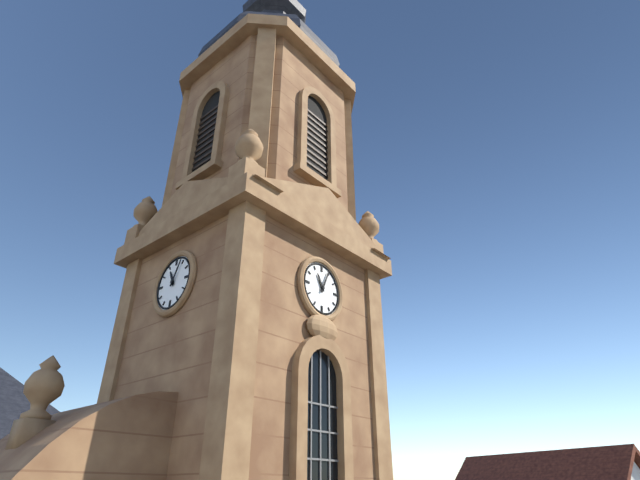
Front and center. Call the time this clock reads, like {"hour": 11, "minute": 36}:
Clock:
{"hour": 11, "minute": 4}
